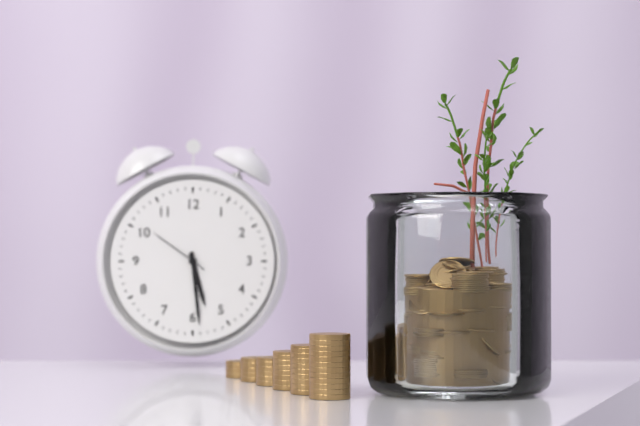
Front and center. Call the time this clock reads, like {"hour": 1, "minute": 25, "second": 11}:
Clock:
{"hour": 5, "minute": 29, "second": 51}
